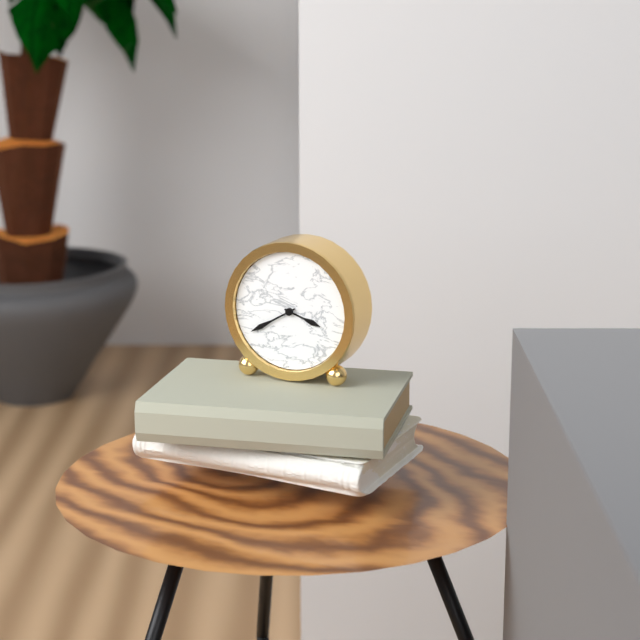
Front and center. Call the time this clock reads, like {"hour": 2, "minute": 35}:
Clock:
{"hour": 3, "minute": 40}
